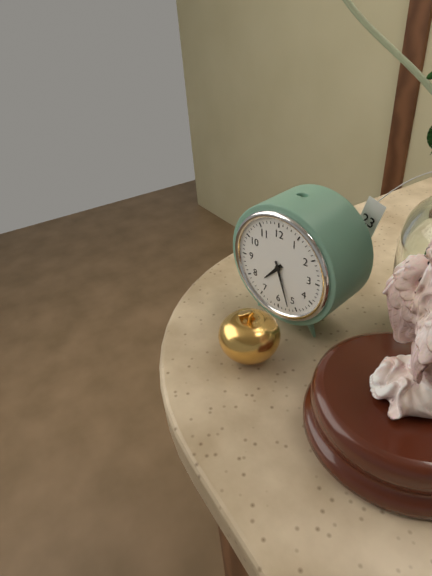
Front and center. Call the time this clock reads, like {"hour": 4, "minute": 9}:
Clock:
{"hour": 7, "minute": 27}
